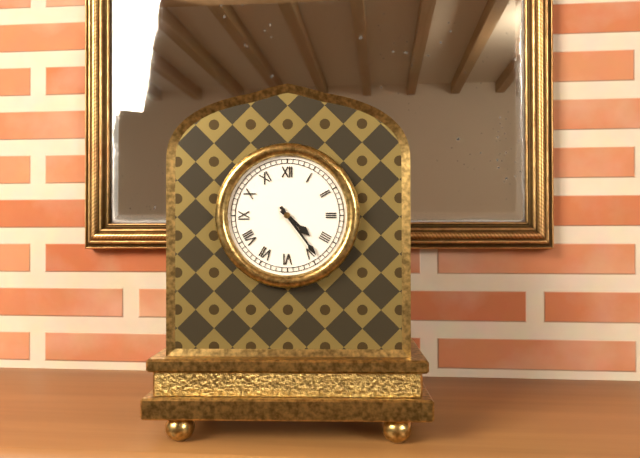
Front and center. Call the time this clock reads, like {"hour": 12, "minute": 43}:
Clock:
{"hour": 4, "minute": 24}
